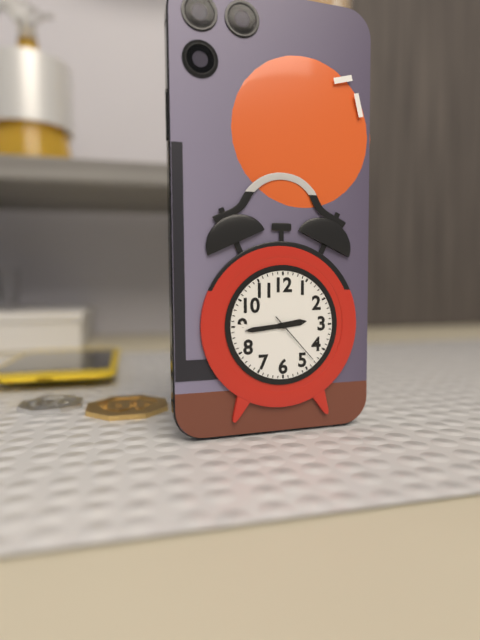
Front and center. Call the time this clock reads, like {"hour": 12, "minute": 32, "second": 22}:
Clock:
{"hour": 2, "minute": 44, "second": 23}
